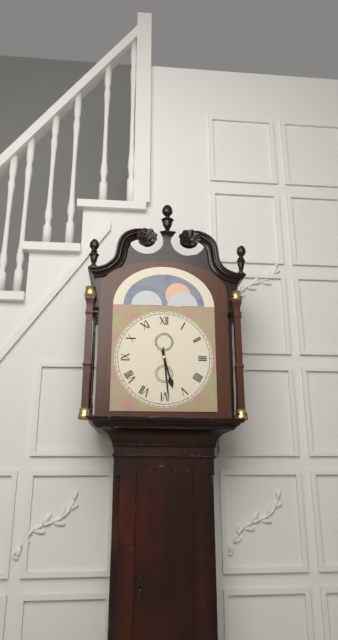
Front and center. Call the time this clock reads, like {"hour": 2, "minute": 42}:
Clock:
{"hour": 5, "minute": 29}
